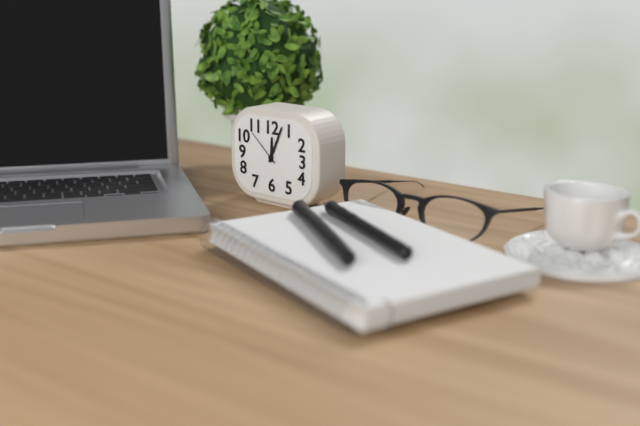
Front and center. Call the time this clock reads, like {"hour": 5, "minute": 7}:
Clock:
{"hour": 12, "minute": 4}
